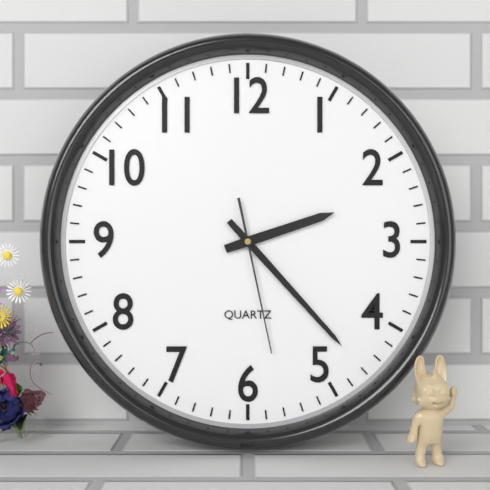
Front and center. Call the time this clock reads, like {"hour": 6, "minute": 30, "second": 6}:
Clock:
{"hour": 2, "minute": 23, "second": 28}
